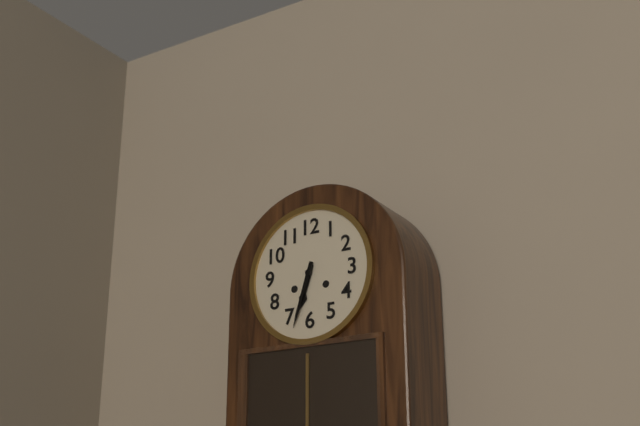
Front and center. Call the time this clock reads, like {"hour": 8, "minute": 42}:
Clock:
{"hour": 6, "minute": 33}
